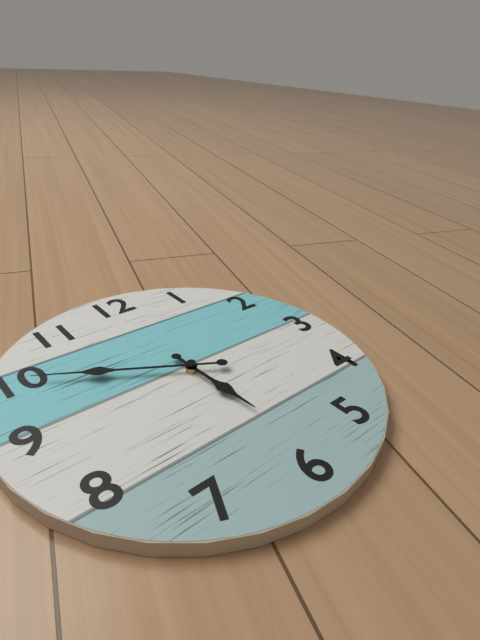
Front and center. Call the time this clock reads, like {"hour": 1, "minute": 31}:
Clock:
{"hour": 5, "minute": 50}
